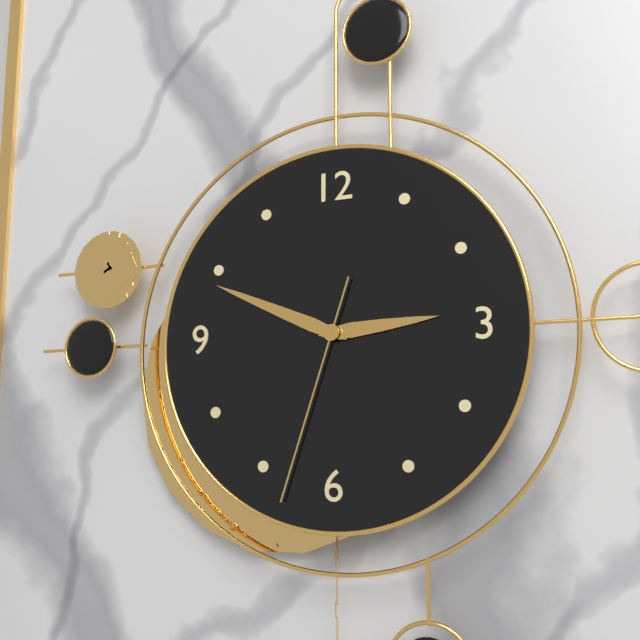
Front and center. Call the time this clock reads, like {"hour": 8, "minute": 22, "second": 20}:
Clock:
{"hour": 2, "minute": 49, "second": 33}
